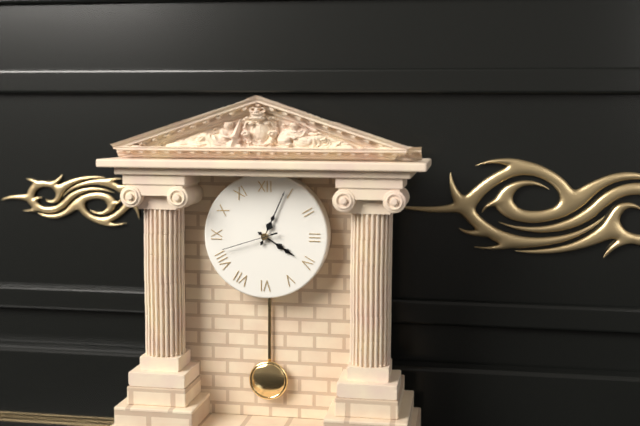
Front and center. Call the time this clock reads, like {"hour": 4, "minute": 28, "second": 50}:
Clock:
{"hour": 4, "minute": 4, "second": 42}
